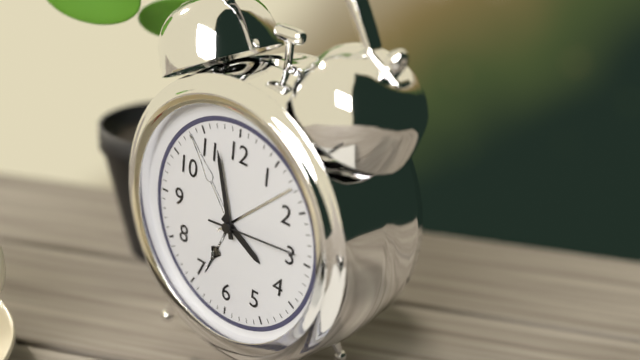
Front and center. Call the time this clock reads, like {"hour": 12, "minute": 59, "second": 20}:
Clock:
{"hour": 3, "minute": 57, "second": 14}
